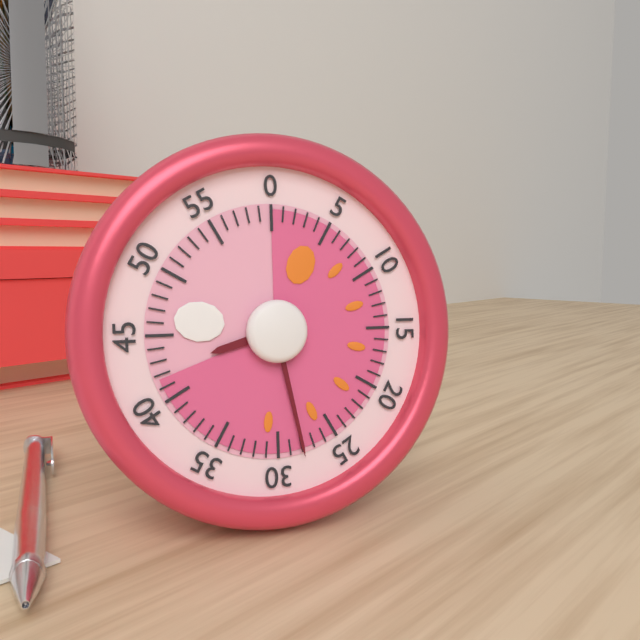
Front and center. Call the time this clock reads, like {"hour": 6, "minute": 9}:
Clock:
{"hour": 8, "minute": 28}
